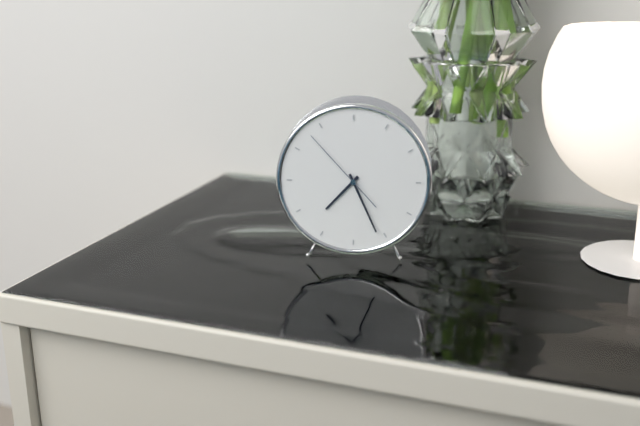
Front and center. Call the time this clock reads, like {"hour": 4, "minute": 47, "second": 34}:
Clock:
{"hour": 7, "minute": 26, "second": 53}
